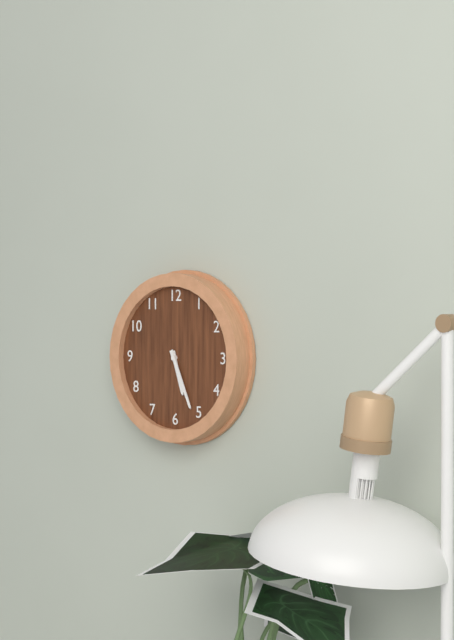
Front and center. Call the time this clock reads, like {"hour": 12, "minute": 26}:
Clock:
{"hour": 5, "minute": 26}
